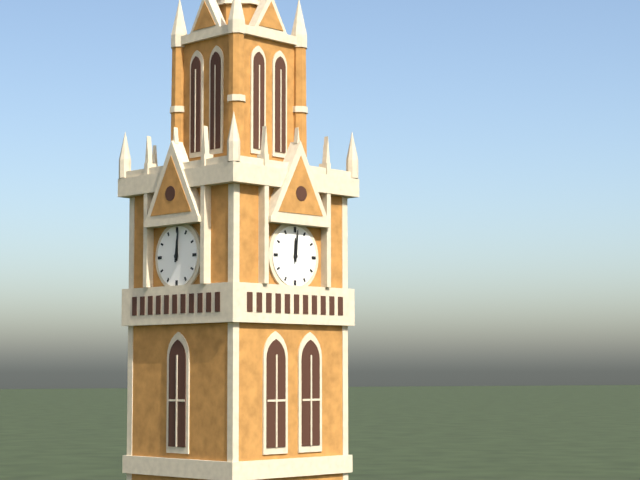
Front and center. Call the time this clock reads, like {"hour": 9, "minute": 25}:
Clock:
{"hour": 12, "minute": 1}
